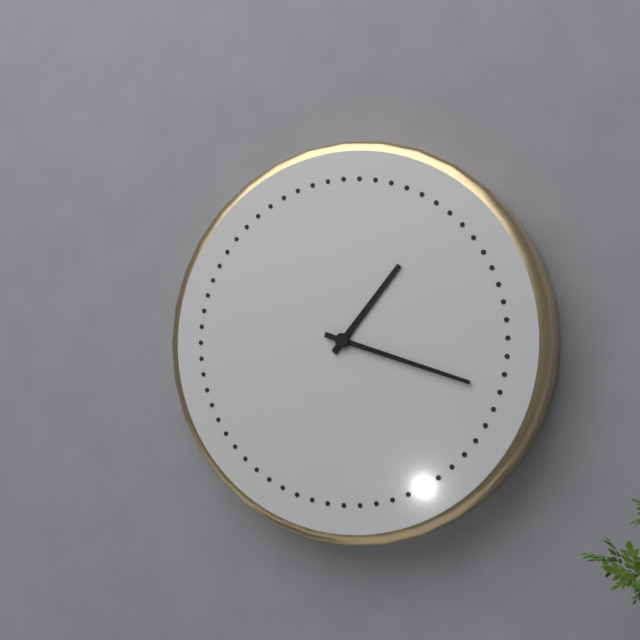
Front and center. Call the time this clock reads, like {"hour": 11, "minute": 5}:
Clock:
{"hour": 1, "minute": 18}
